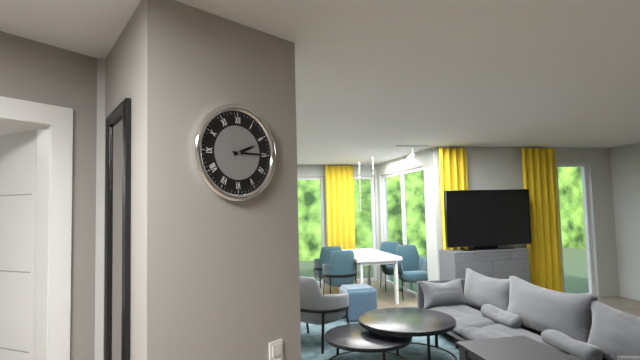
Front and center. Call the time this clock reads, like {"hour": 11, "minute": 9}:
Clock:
{"hour": 2, "minute": 15}
